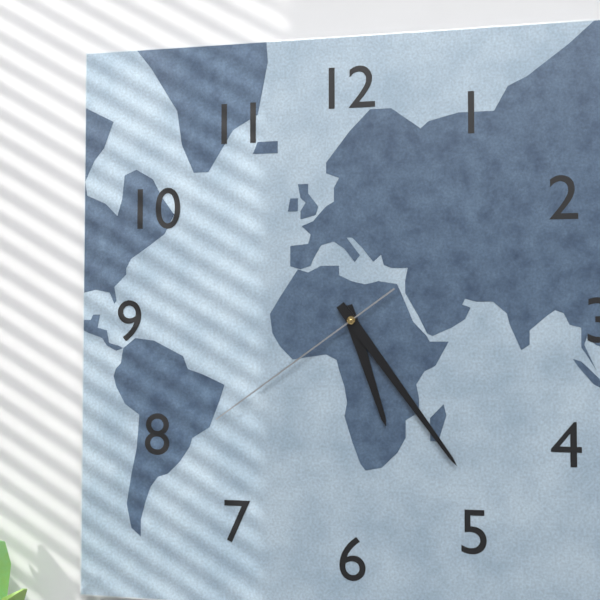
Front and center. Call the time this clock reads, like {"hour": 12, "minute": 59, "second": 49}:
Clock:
{"hour": 5, "minute": 24, "second": 39}
